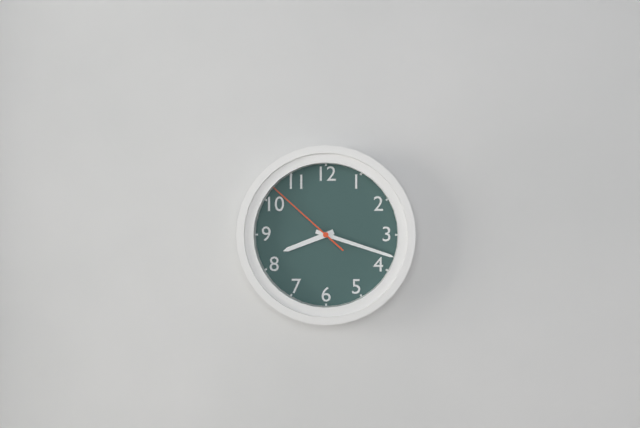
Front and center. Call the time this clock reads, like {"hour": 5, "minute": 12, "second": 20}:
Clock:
{"hour": 8, "minute": 18, "second": 52}
